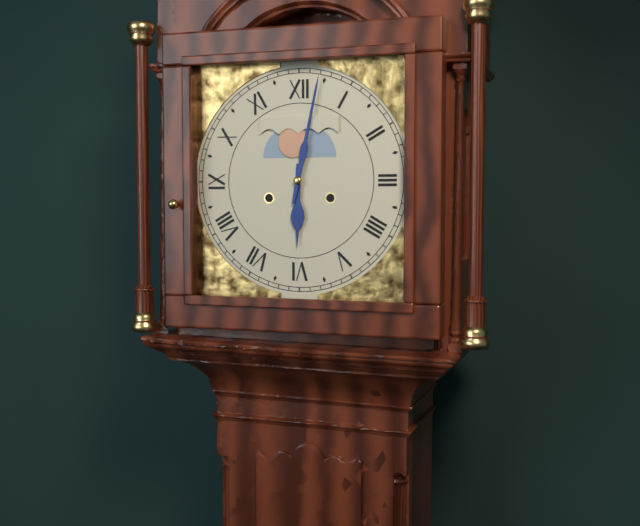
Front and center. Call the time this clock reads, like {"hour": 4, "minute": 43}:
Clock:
{"hour": 6, "minute": 2}
